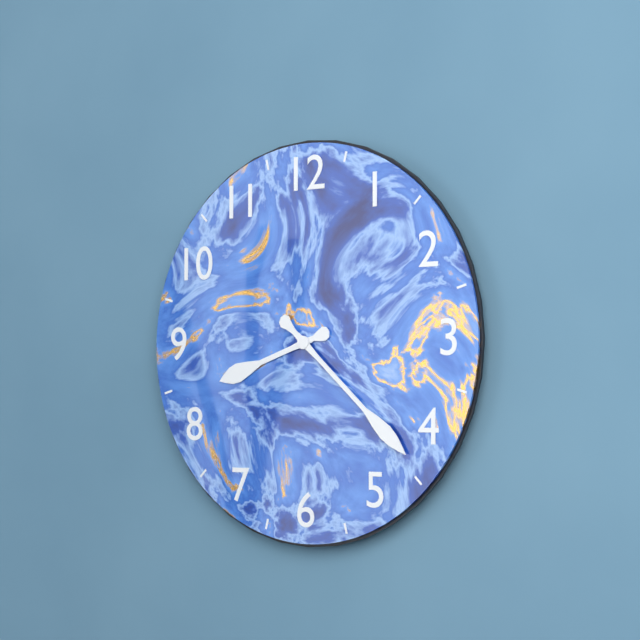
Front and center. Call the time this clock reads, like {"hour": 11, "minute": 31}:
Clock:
{"hour": 8, "minute": 22}
